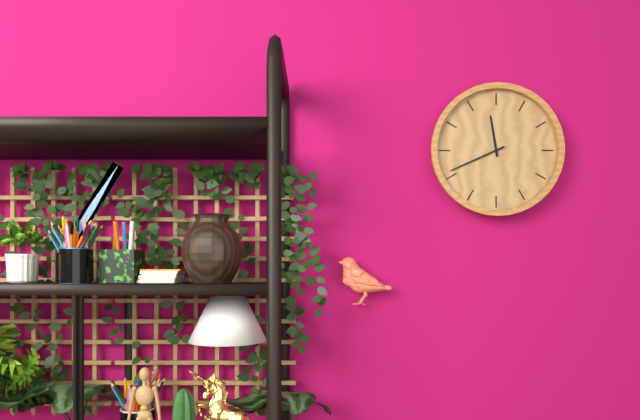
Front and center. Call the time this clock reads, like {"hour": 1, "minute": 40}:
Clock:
{"hour": 11, "minute": 41}
